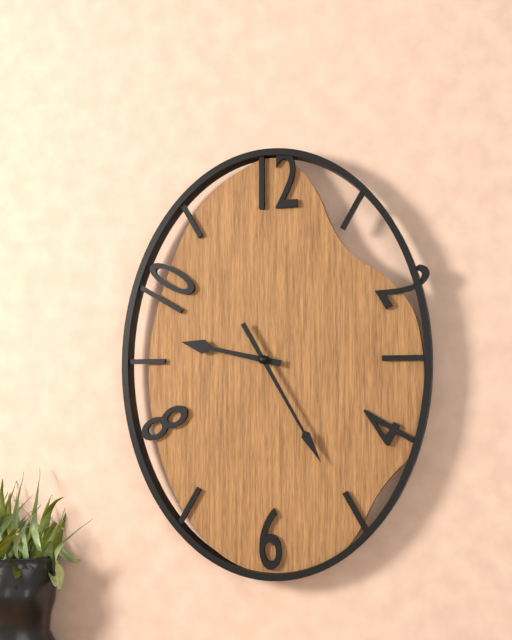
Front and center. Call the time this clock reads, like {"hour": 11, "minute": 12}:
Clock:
{"hour": 9, "minute": 25}
